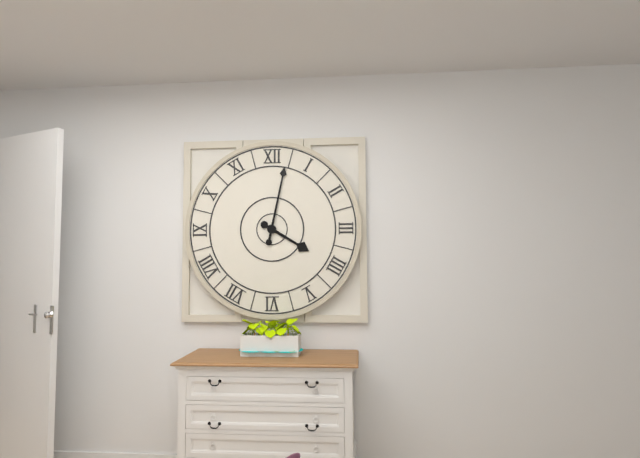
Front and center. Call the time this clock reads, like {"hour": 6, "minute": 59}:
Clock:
{"hour": 4, "minute": 2}
